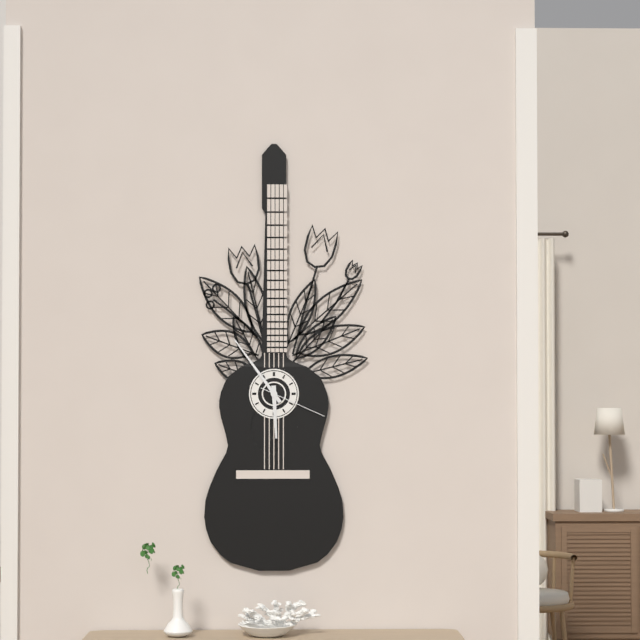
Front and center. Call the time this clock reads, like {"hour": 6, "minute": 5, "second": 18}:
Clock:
{"hour": 5, "minute": 54, "second": 19}
